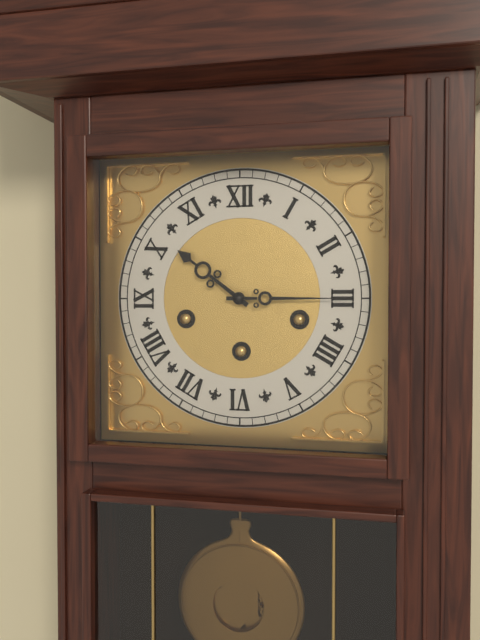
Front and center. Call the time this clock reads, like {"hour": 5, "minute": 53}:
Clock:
{"hour": 10, "minute": 15}
